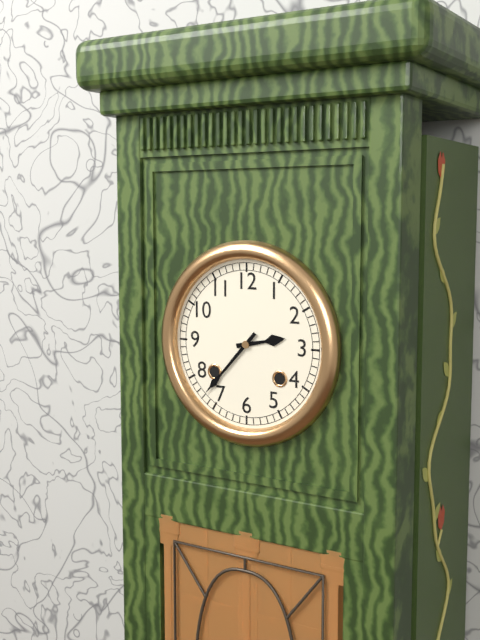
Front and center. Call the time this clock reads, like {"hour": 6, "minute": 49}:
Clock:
{"hour": 2, "minute": 37}
